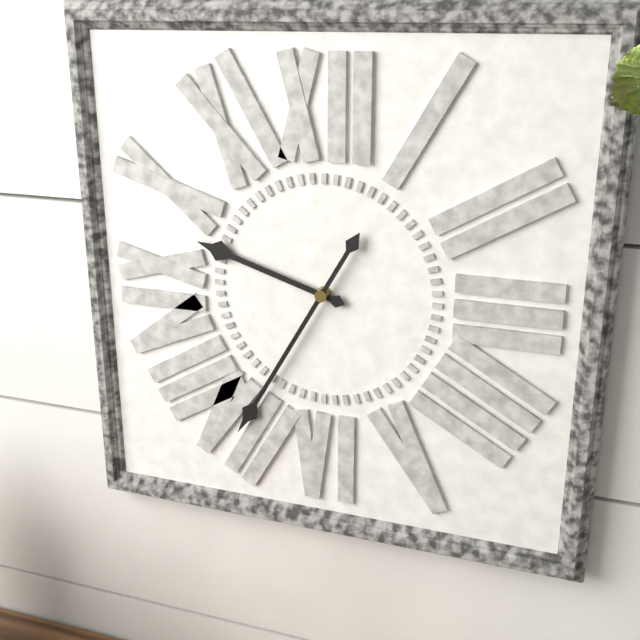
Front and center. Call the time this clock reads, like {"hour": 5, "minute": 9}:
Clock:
{"hour": 9, "minute": 35}
